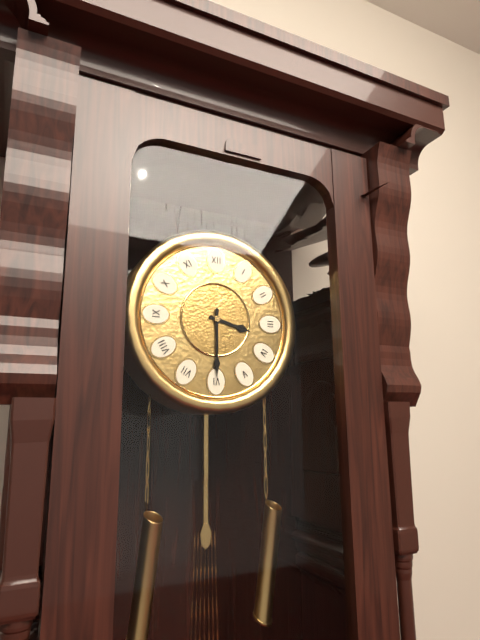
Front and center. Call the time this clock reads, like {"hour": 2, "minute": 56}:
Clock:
{"hour": 3, "minute": 30}
